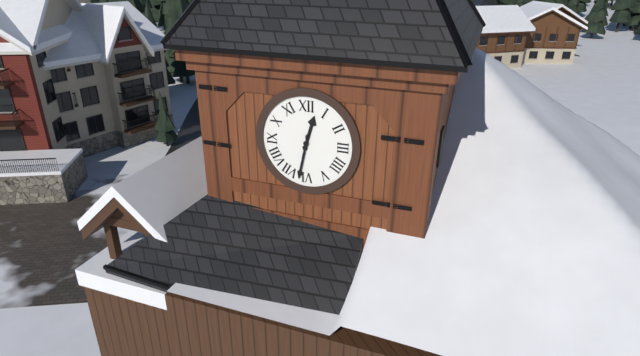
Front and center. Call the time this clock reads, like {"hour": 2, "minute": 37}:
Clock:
{"hour": 12, "minute": 32}
